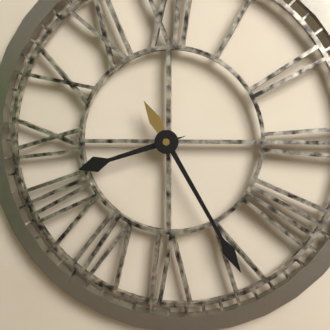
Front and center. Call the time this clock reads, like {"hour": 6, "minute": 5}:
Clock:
{"hour": 8, "minute": 25}
